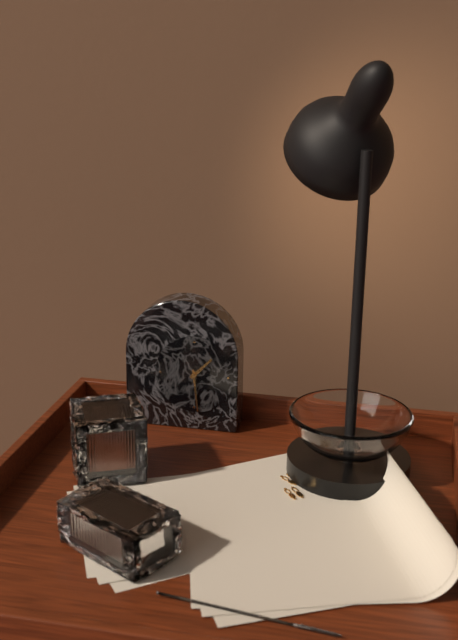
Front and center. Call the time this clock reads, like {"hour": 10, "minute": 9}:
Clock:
{"hour": 1, "minute": 29}
